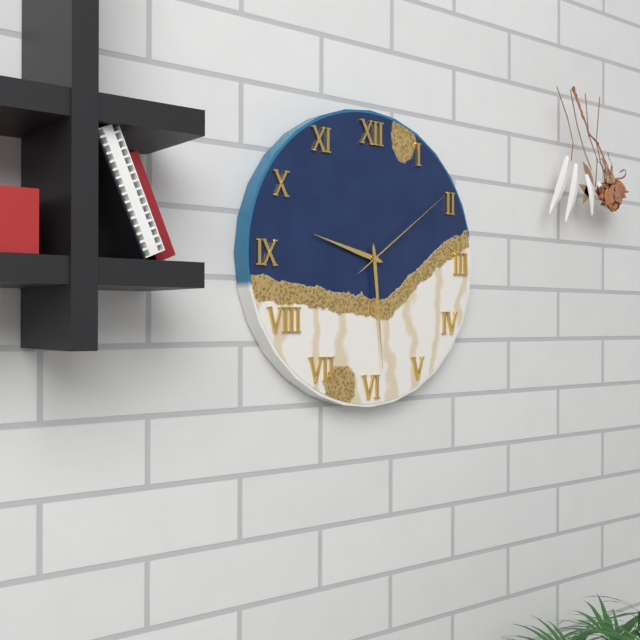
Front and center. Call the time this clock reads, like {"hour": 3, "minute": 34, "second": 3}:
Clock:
{"hour": 9, "minute": 29, "second": 9}
